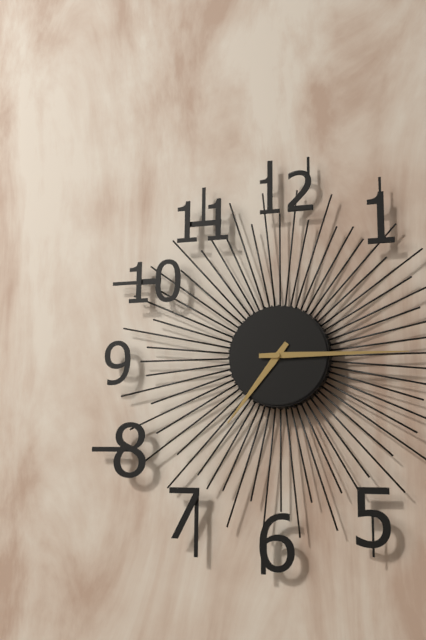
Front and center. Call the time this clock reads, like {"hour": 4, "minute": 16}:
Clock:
{"hour": 7, "minute": 15}
